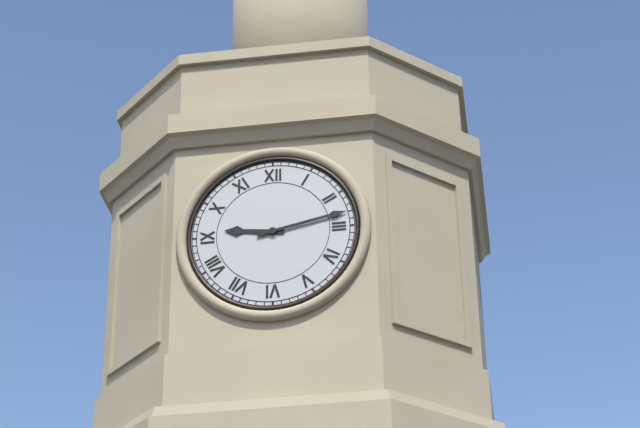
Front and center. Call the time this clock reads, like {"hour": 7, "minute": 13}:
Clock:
{"hour": 9, "minute": 13}
